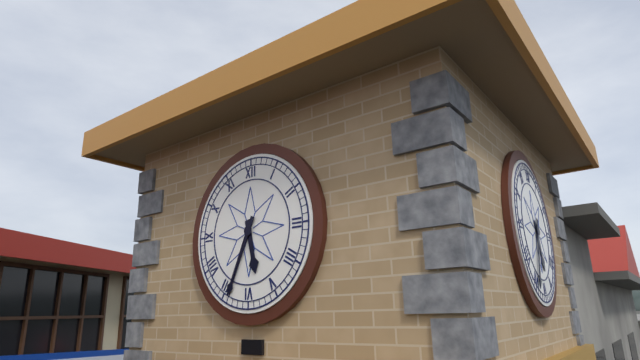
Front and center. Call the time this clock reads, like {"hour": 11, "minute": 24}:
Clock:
{"hour": 5, "minute": 34}
